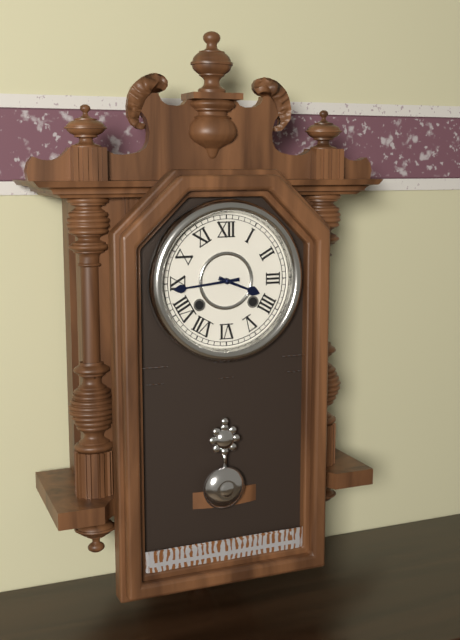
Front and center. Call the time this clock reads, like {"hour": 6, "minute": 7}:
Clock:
{"hour": 3, "minute": 44}
